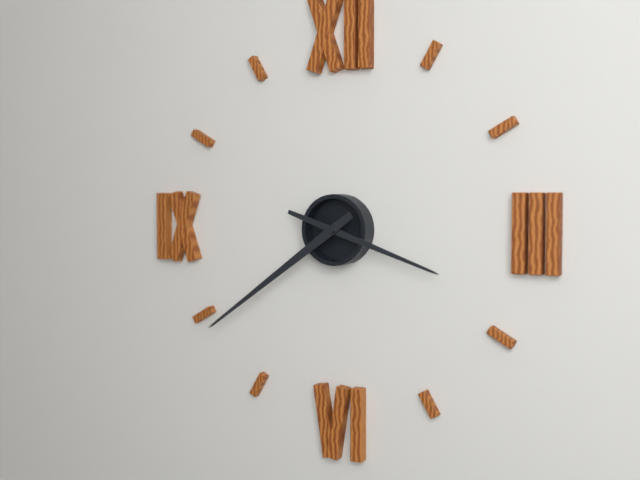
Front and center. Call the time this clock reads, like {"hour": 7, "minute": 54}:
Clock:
{"hour": 3, "minute": 39}
